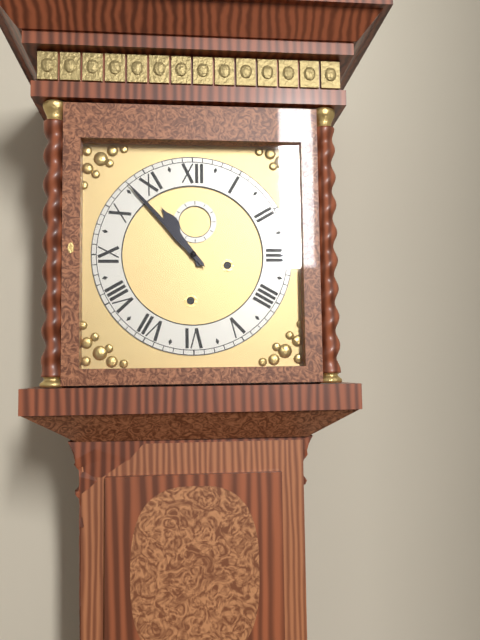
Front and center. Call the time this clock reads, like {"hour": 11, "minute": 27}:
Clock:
{"hour": 10, "minute": 53}
